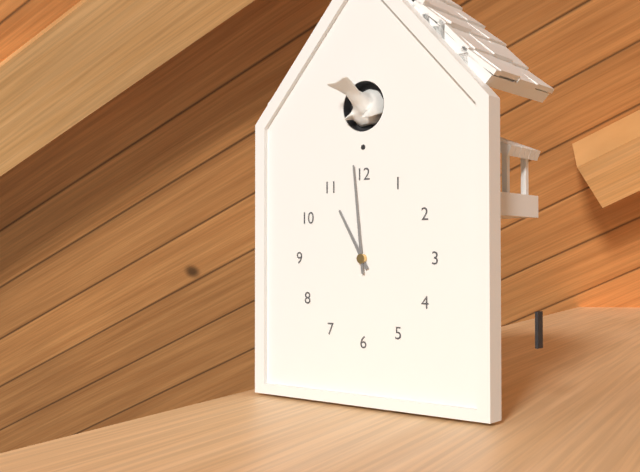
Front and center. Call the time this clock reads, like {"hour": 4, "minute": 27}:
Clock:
{"hour": 10, "minute": 59}
